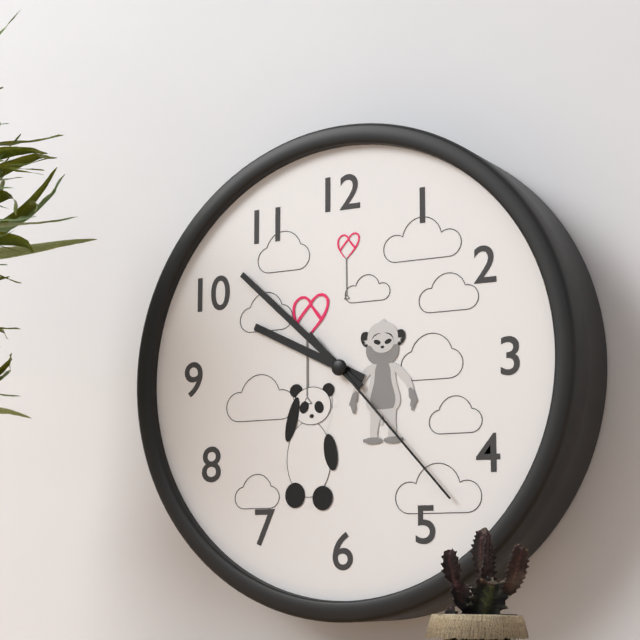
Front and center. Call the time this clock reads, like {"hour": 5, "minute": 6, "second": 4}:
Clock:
{"hour": 9, "minute": 52, "second": 23}
